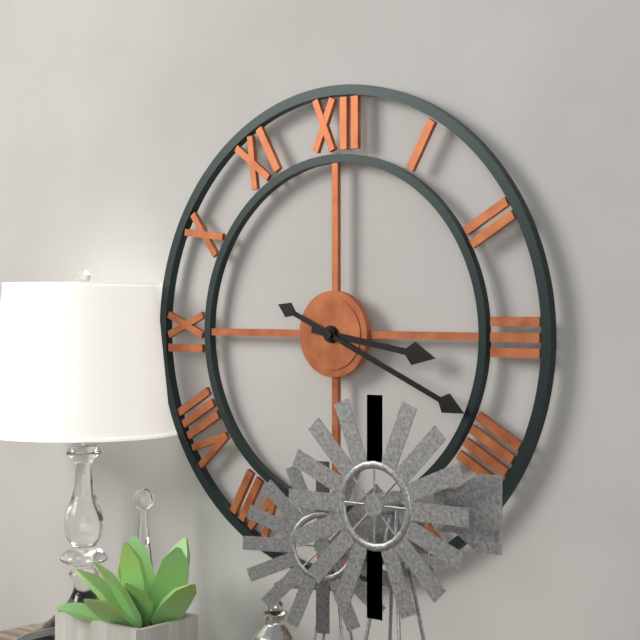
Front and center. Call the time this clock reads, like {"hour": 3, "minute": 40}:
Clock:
{"hour": 3, "minute": 19}
